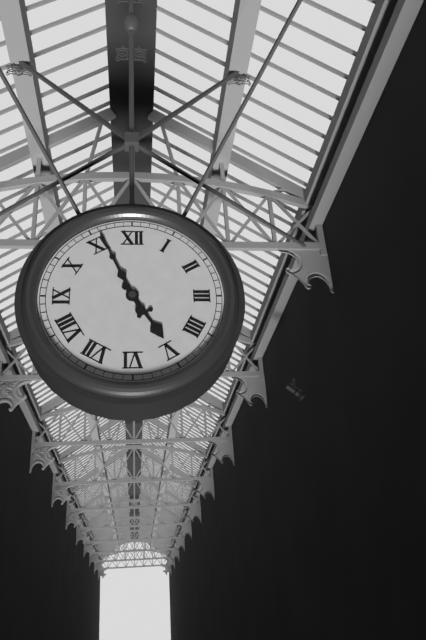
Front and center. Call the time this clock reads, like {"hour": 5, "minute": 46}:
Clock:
{"hour": 4, "minute": 56}
